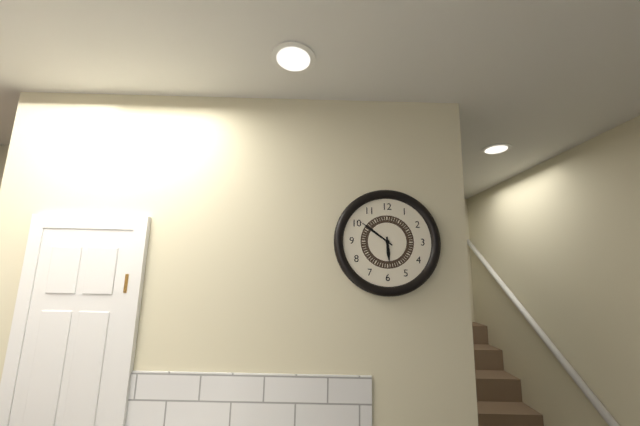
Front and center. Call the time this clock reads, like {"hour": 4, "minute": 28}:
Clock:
{"hour": 5, "minute": 51}
